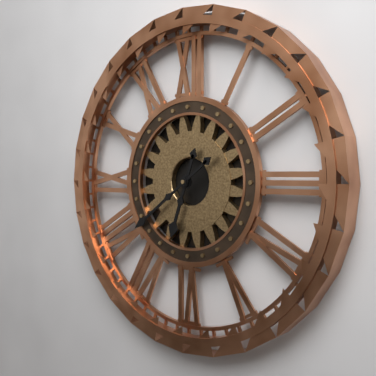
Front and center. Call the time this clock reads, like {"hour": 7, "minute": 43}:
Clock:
{"hour": 6, "minute": 39}
